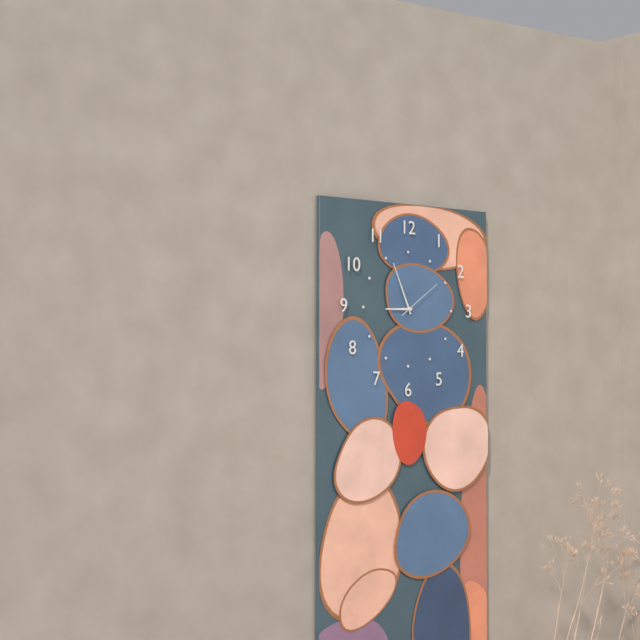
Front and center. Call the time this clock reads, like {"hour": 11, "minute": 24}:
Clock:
{"hour": 8, "minute": 56}
